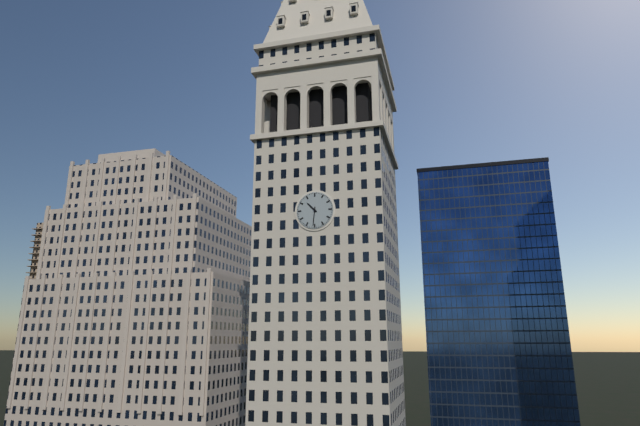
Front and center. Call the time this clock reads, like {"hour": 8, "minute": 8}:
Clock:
{"hour": 10, "minute": 31}
